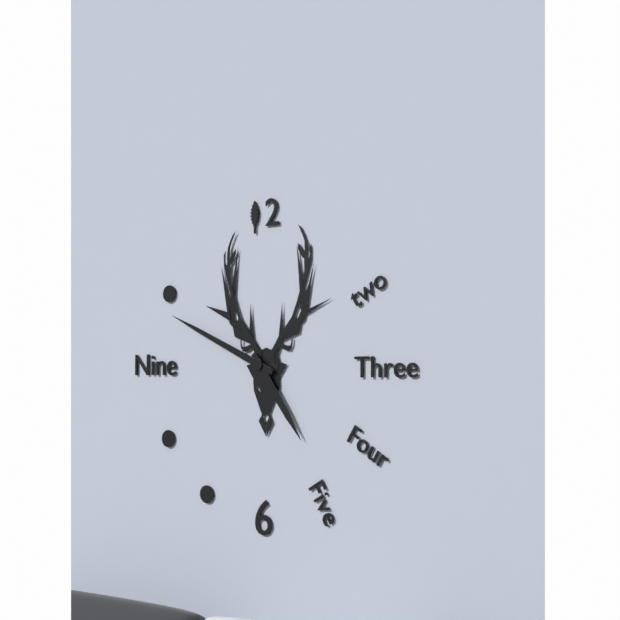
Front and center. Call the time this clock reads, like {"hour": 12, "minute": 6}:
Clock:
{"hour": 4, "minute": 49}
